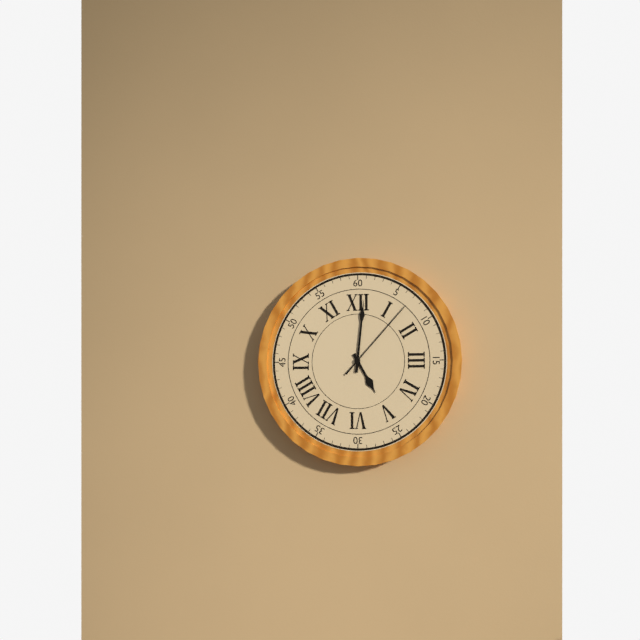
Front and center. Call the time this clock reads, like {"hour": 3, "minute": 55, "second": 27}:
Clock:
{"hour": 5, "minute": 1, "second": 7}
